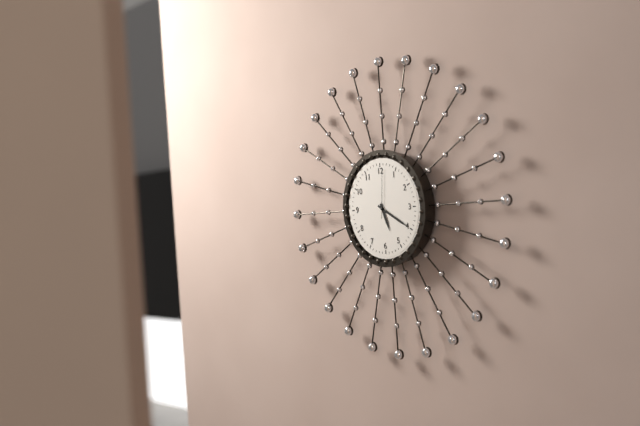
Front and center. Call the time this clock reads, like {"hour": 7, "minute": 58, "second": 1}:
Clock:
{"hour": 5, "minute": 20, "second": 1}
